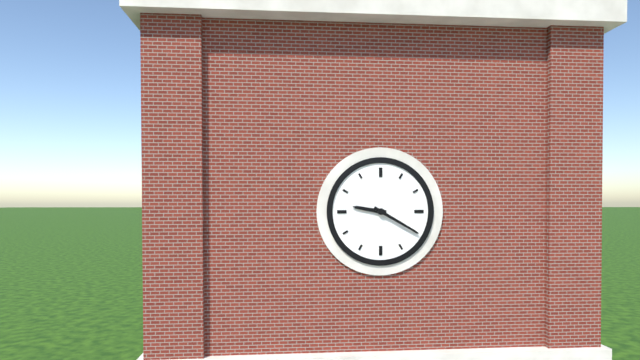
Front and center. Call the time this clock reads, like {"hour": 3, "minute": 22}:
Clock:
{"hour": 9, "minute": 20}
